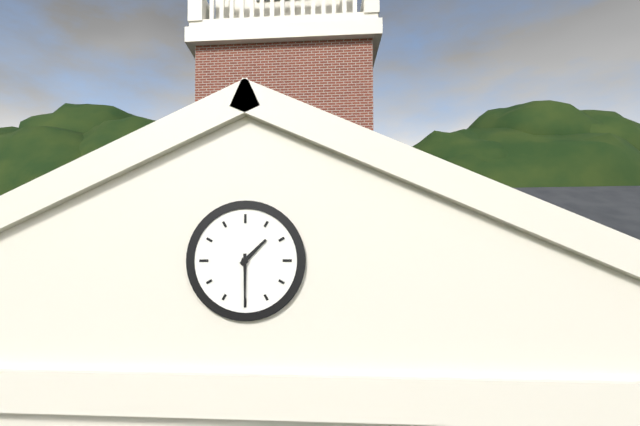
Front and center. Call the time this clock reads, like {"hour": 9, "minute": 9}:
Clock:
{"hour": 1, "minute": 30}
